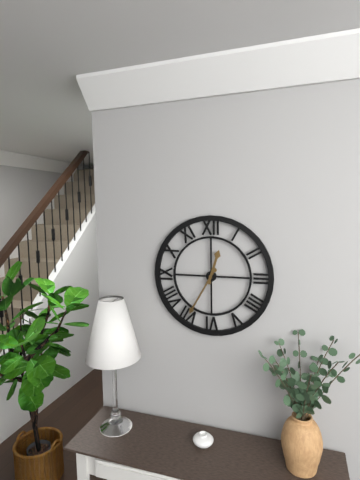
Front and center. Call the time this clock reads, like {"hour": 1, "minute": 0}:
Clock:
{"hour": 12, "minute": 35}
